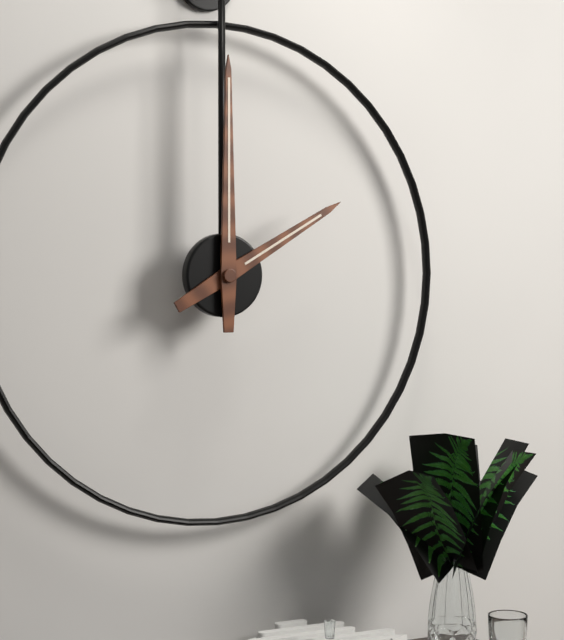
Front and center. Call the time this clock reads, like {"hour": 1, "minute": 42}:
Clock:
{"hour": 2, "minute": 0}
